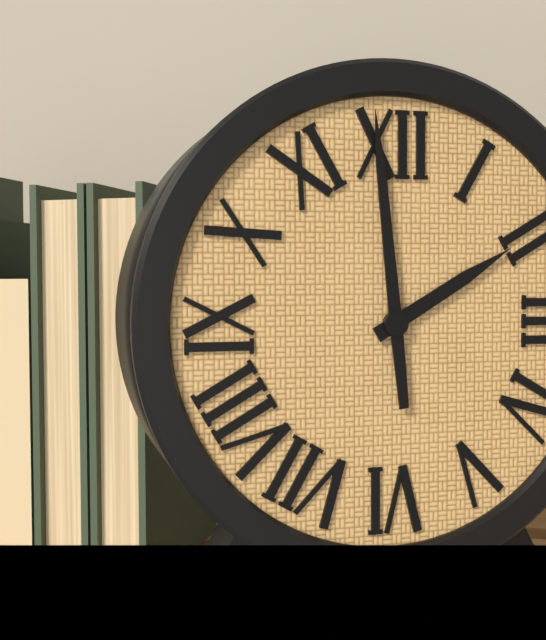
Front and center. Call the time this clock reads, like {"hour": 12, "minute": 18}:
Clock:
{"hour": 1, "minute": 59}
